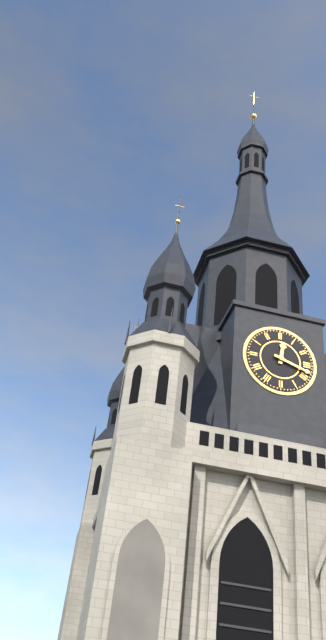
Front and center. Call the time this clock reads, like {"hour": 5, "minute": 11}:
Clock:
{"hour": 12, "minute": 18}
